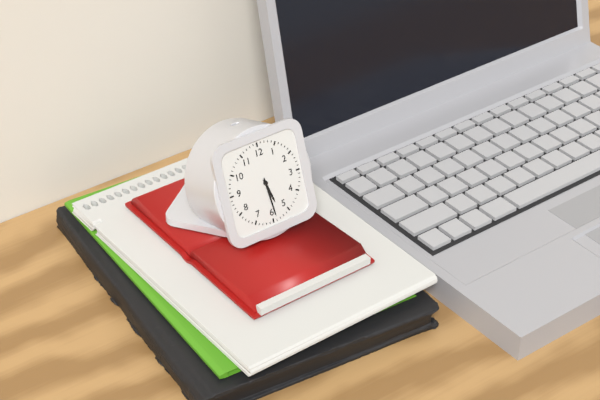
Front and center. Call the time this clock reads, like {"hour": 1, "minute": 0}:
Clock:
{"hour": 5, "minute": 29}
